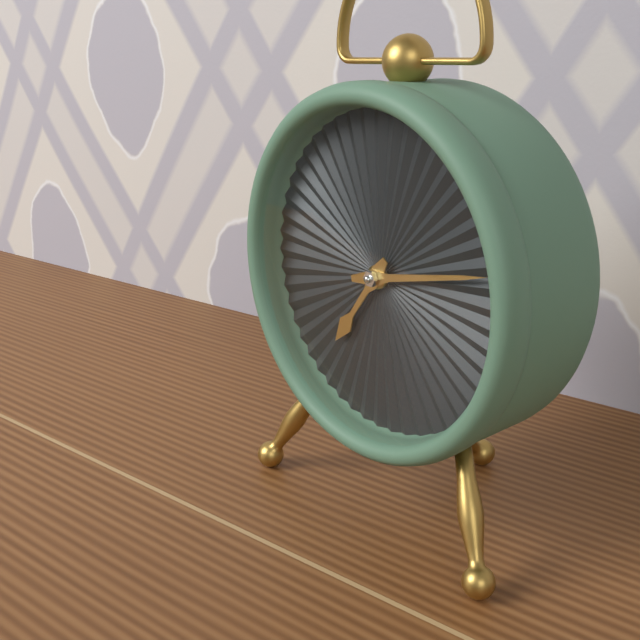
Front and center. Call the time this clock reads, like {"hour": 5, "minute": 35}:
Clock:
{"hour": 7, "minute": 13}
